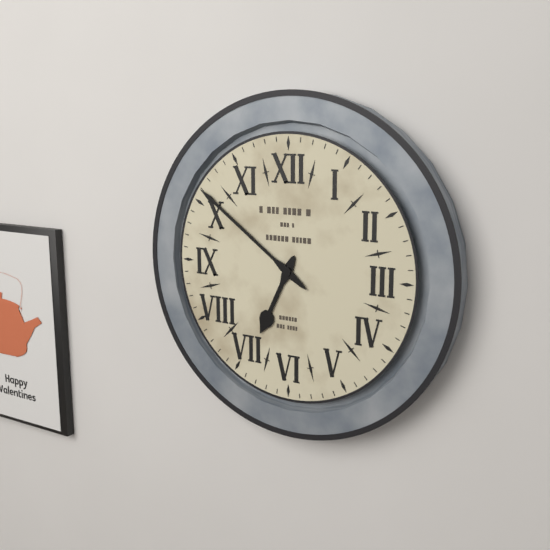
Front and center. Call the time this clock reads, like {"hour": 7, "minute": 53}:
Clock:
{"hour": 6, "minute": 51}
